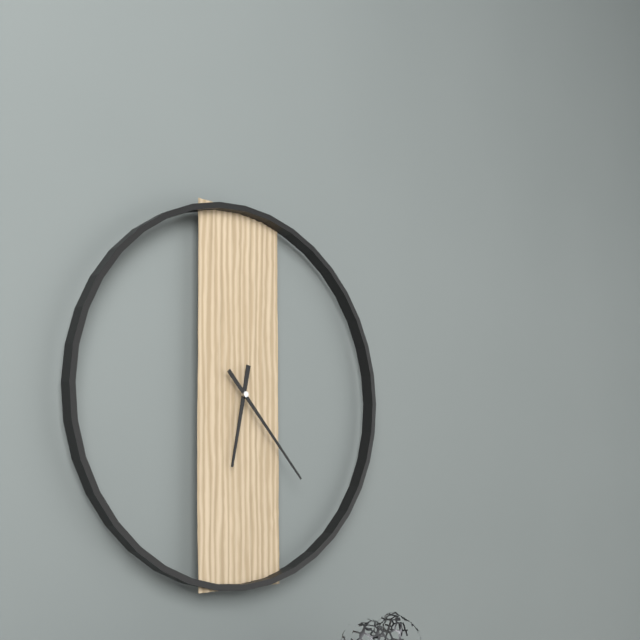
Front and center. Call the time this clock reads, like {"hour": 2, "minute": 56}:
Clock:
{"hour": 6, "minute": 23}
